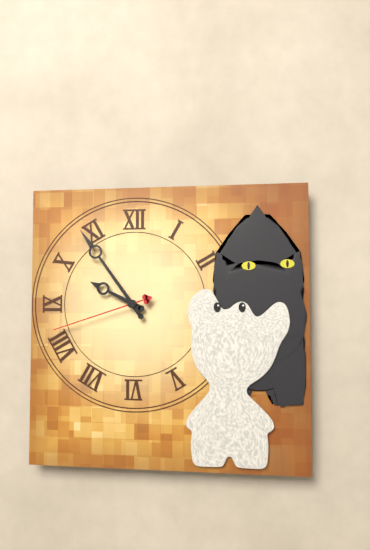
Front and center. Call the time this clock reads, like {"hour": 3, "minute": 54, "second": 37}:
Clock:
{"hour": 9, "minute": 54, "second": 42}
